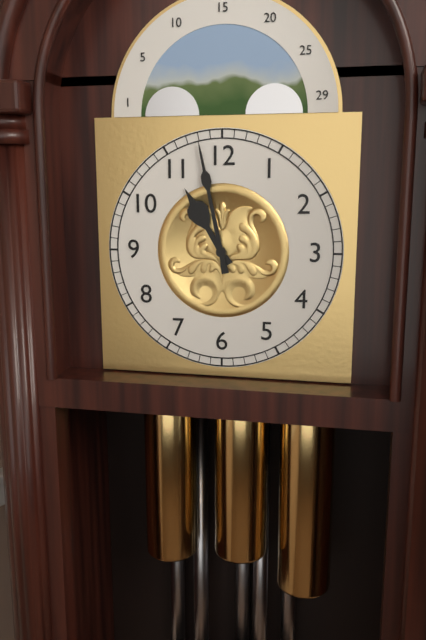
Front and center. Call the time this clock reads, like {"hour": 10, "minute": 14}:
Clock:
{"hour": 10, "minute": 58}
